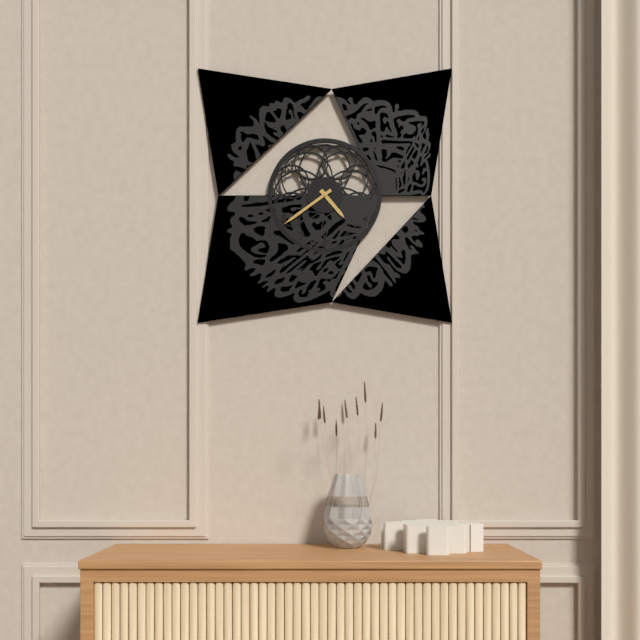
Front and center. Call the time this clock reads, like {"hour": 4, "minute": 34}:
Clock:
{"hour": 4, "minute": 39}
